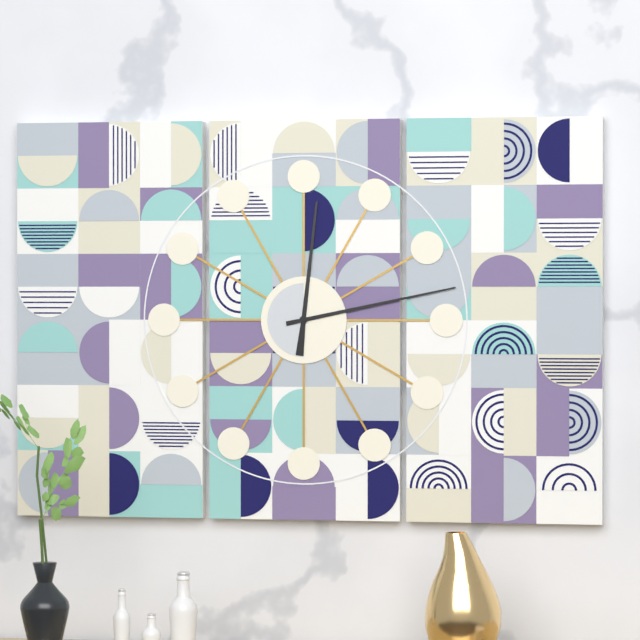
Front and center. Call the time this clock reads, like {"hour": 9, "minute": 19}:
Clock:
{"hour": 12, "minute": 13}
